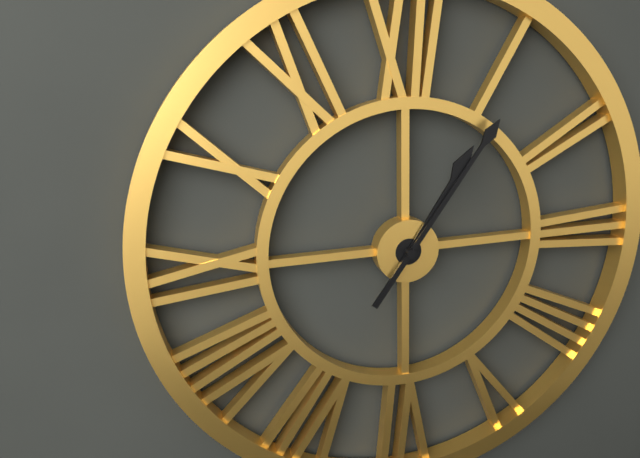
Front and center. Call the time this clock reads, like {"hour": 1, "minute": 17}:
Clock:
{"hour": 1, "minute": 6}
